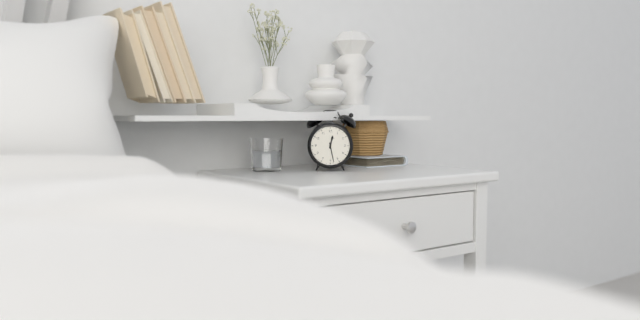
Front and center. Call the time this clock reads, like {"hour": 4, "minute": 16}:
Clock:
{"hour": 12, "minute": 28}
